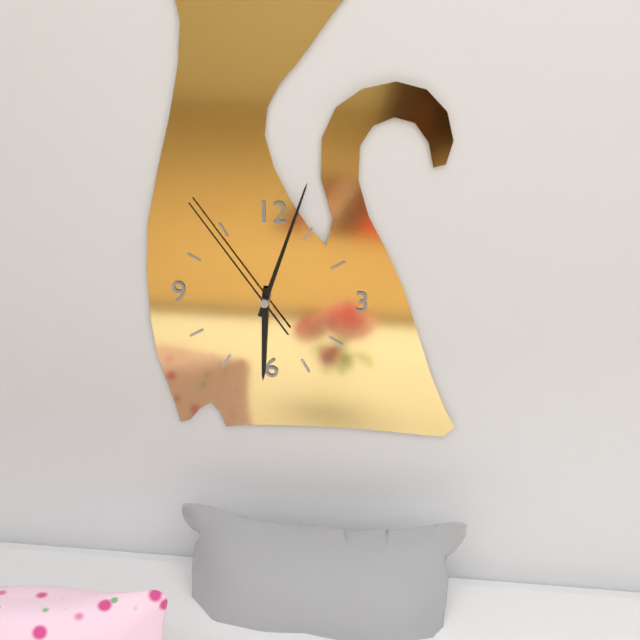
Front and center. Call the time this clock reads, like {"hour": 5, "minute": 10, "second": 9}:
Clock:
{"hour": 6, "minute": 3, "second": 54}
